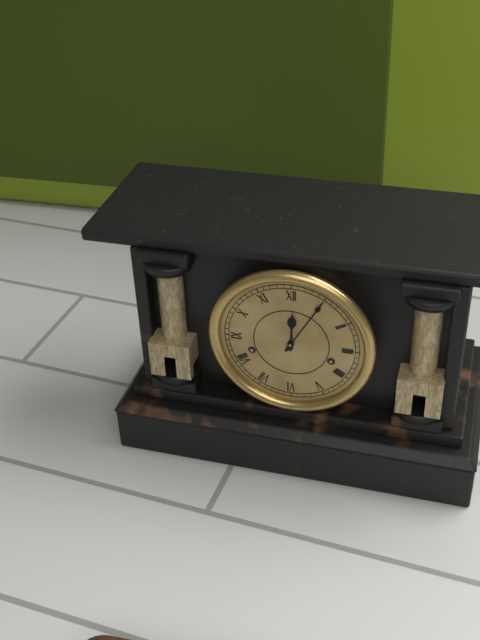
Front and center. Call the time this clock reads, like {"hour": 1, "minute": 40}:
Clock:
{"hour": 12, "minute": 5}
